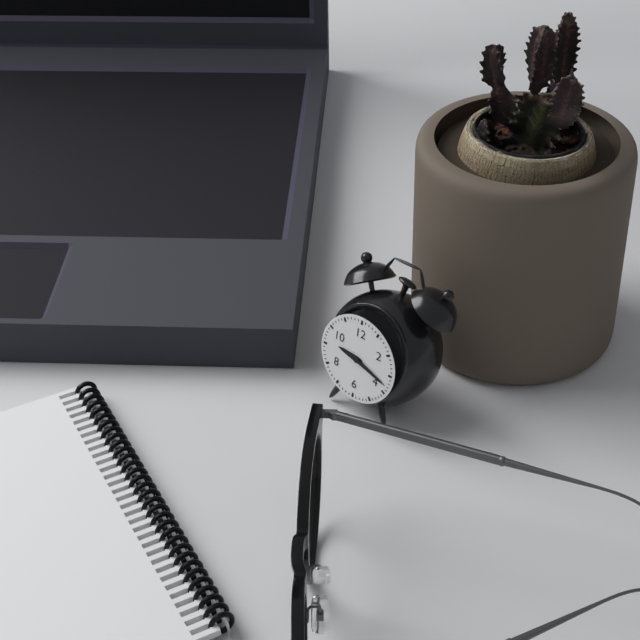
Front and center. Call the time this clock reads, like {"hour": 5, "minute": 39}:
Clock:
{"hour": 9, "minute": 18}
